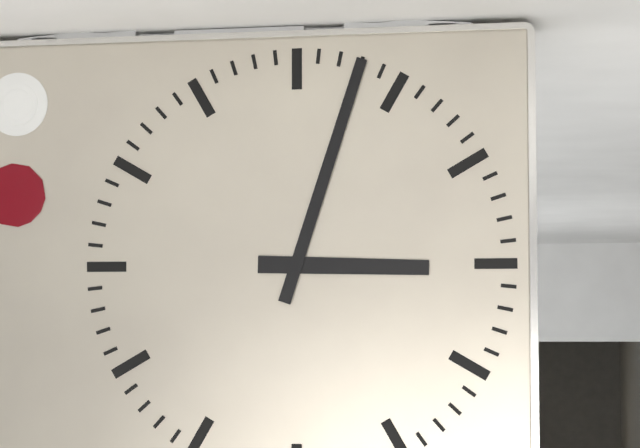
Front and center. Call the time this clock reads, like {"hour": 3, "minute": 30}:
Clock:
{"hour": 3, "minute": 3}
